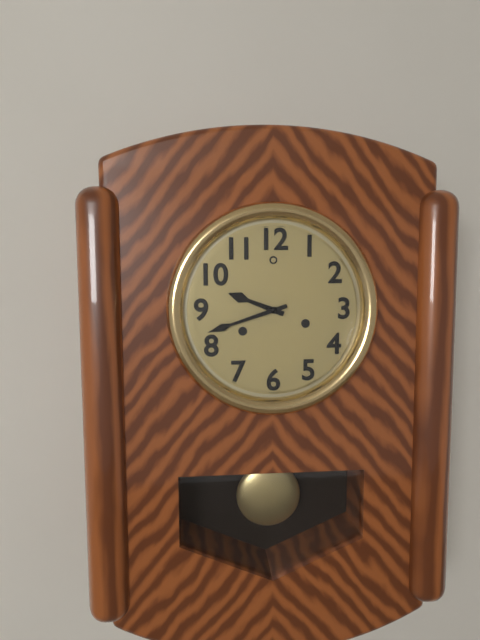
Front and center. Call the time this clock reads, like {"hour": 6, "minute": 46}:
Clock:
{"hour": 9, "minute": 42}
